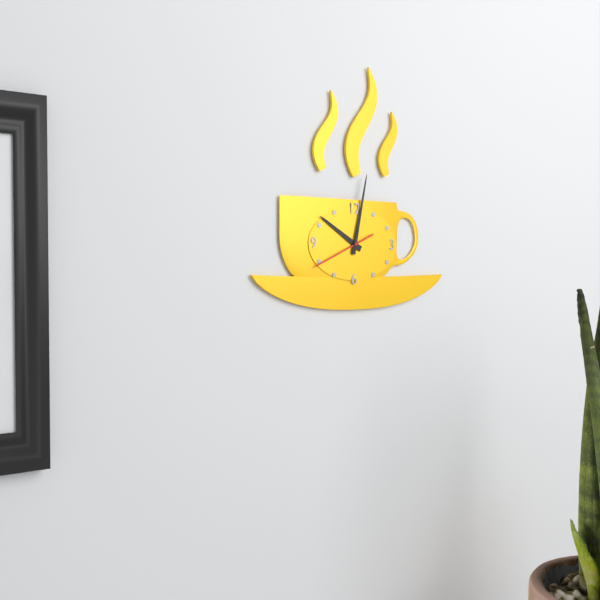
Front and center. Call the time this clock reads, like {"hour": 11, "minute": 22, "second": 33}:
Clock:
{"hour": 10, "minute": 2, "second": 41}
